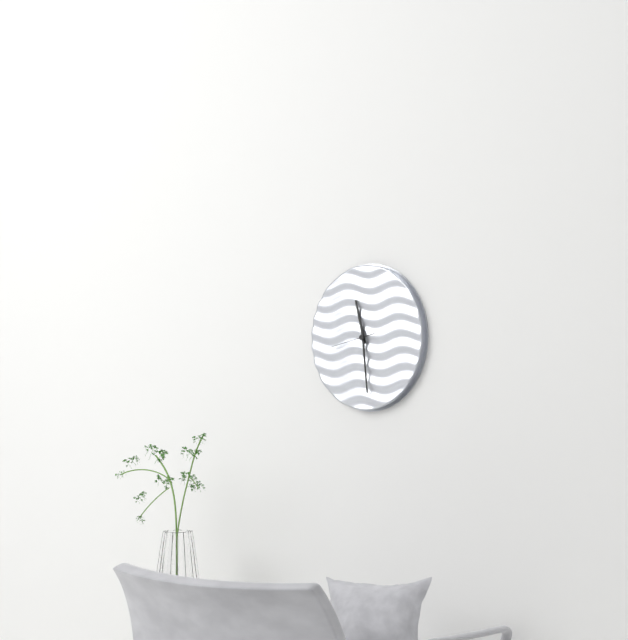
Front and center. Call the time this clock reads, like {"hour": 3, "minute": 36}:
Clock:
{"hour": 11, "minute": 29}
